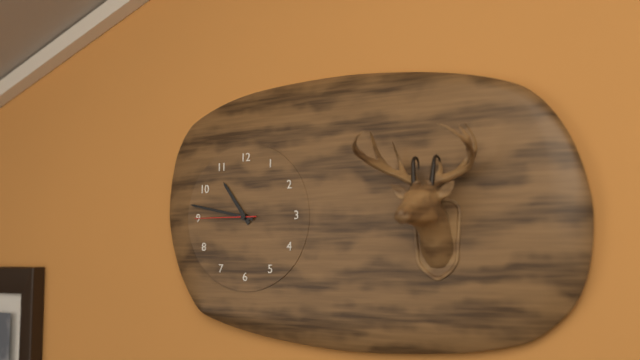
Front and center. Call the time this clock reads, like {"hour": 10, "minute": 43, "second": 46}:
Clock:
{"hour": 10, "minute": 47, "second": 45}
